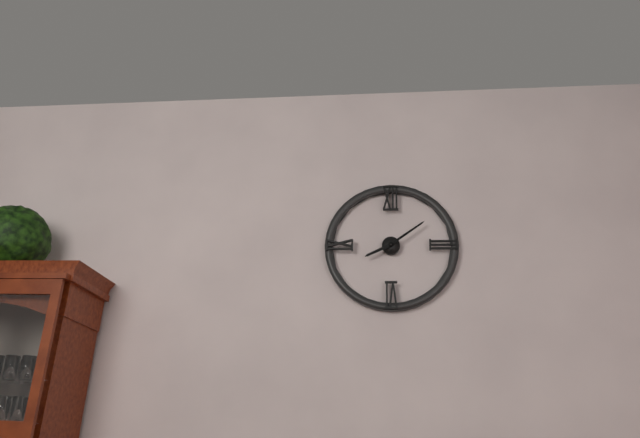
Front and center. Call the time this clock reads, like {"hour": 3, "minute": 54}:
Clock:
{"hour": 8, "minute": 9}
